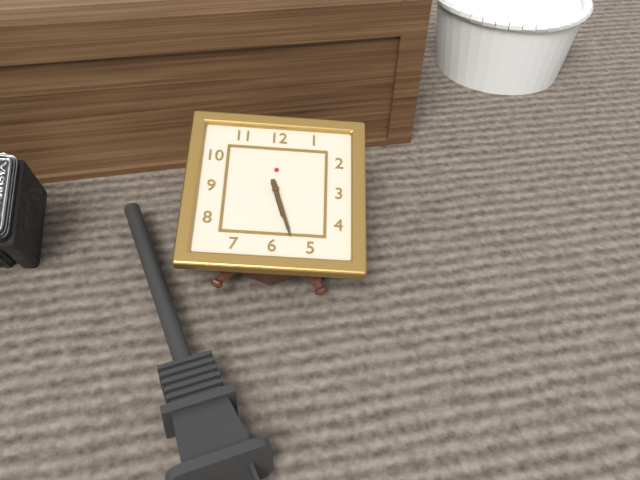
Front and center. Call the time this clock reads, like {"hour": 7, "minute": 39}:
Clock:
{"hour": 5, "minute": 27}
